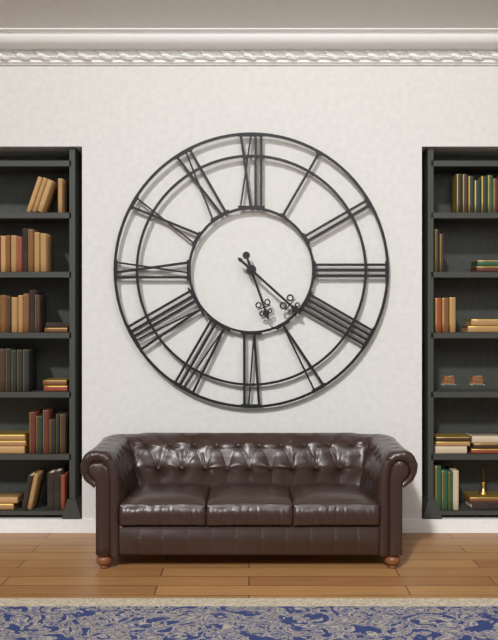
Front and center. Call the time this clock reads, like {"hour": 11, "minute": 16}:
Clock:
{"hour": 5, "minute": 22}
